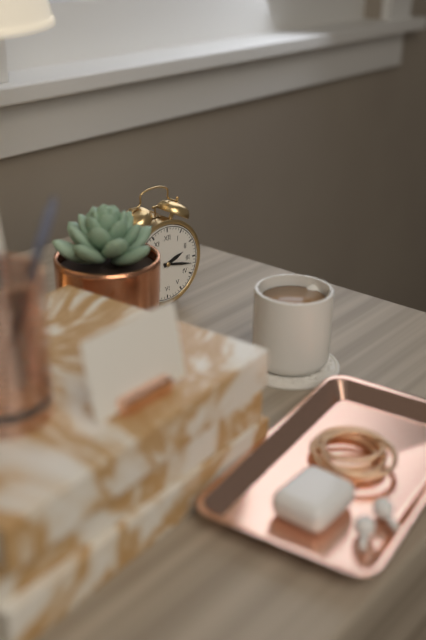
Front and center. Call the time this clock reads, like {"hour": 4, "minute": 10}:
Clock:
{"hour": 2, "minute": 17}
